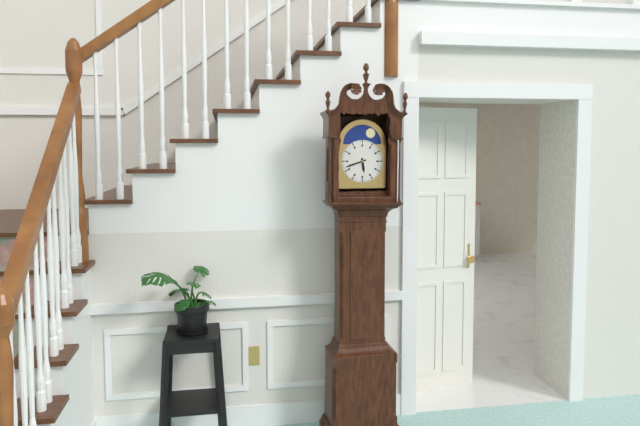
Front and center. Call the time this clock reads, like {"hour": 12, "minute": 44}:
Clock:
{"hour": 5, "minute": 42}
